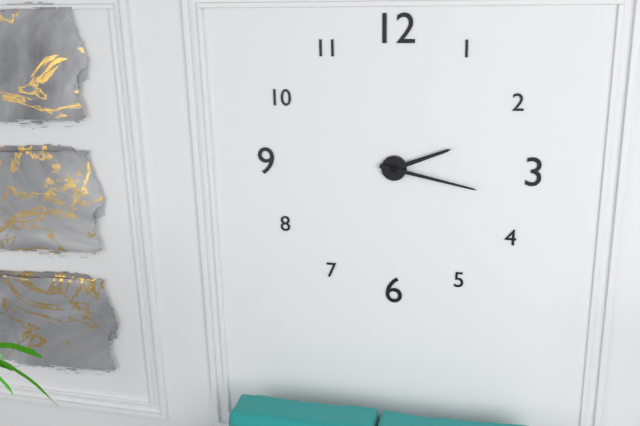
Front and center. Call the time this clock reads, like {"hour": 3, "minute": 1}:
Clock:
{"hour": 2, "minute": 17}
